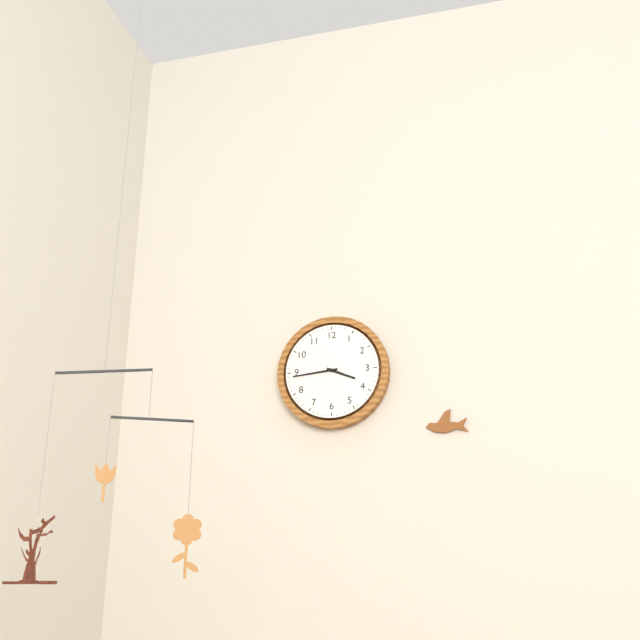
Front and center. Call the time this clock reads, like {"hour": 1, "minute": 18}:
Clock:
{"hour": 3, "minute": 44}
